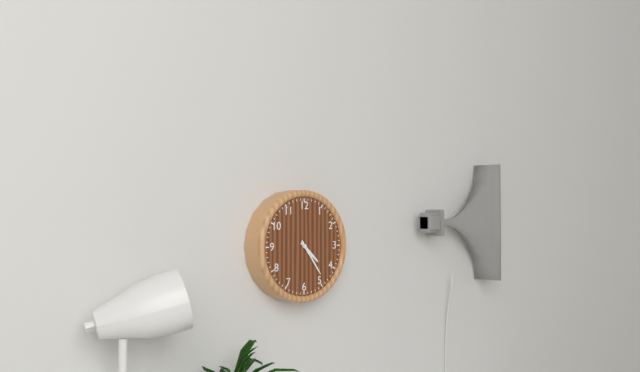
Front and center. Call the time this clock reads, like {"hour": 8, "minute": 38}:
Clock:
{"hour": 4, "minute": 24}
